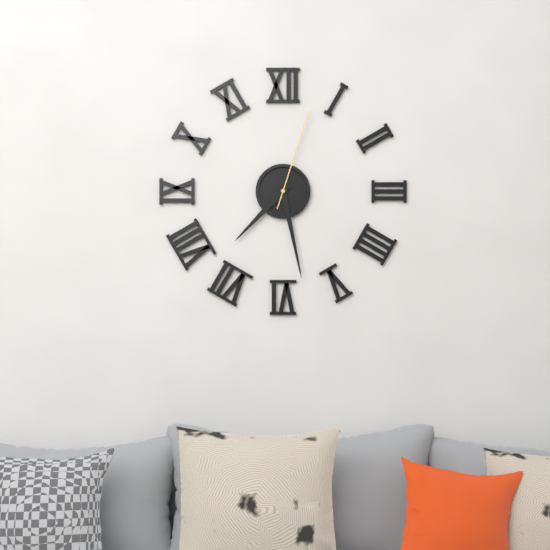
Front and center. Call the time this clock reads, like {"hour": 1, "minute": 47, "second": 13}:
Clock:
{"hour": 7, "minute": 28, "second": 3}
